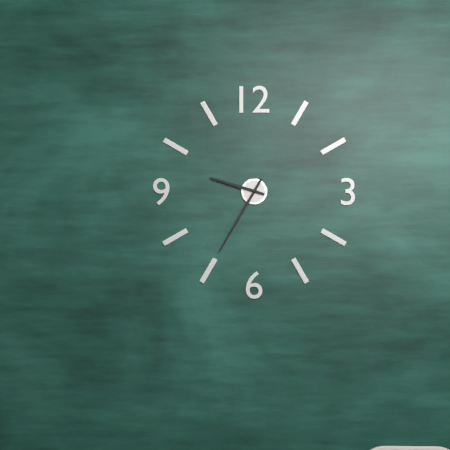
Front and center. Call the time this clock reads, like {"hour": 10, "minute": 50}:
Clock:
{"hour": 9, "minute": 35}
